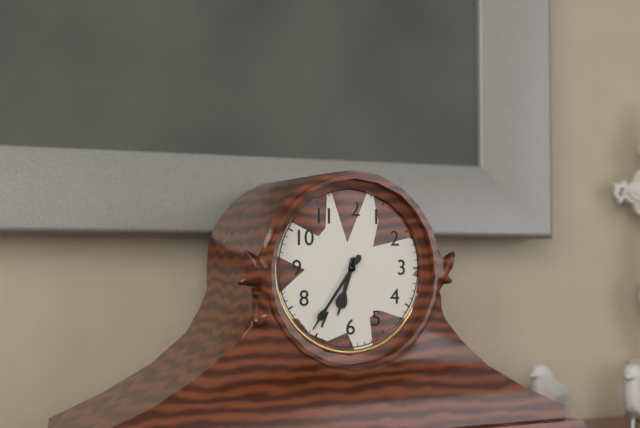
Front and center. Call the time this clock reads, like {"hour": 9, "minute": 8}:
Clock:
{"hour": 6, "minute": 36}
